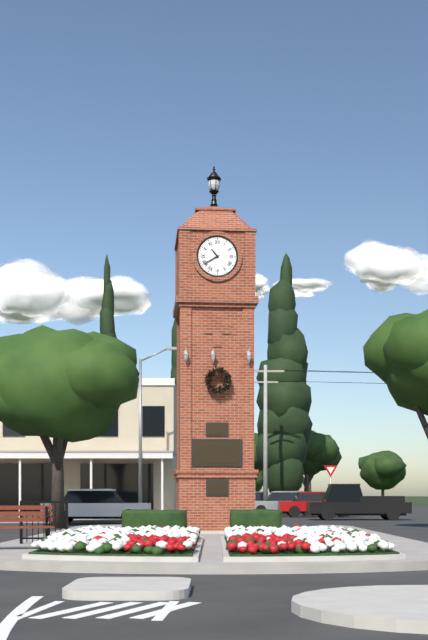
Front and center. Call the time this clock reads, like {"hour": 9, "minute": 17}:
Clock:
{"hour": 10, "minute": 40}
